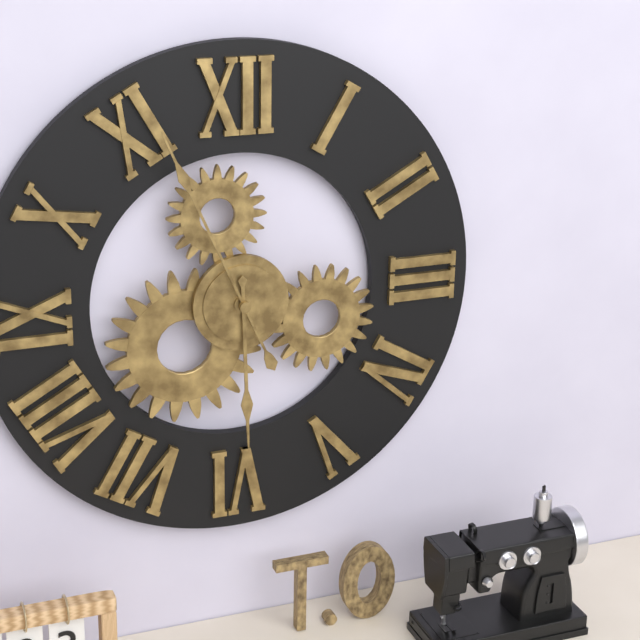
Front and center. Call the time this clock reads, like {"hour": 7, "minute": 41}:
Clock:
{"hour": 5, "minute": 56}
